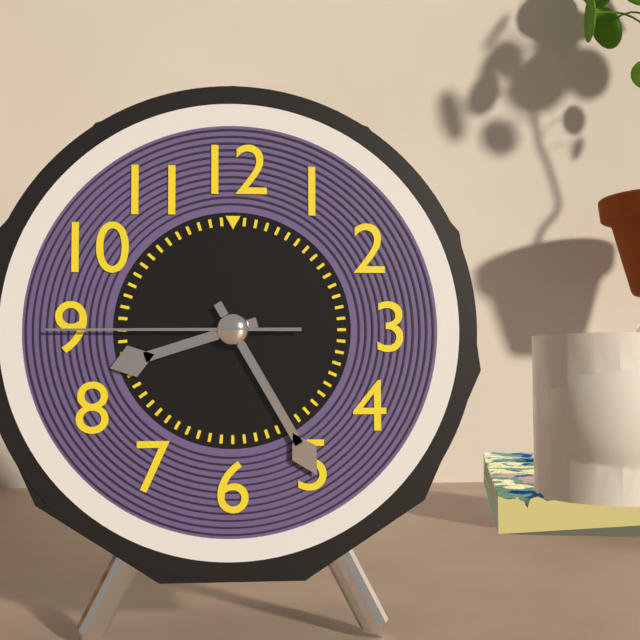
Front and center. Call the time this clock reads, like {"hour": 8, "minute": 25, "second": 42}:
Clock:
{"hour": 8, "minute": 25, "second": 45}
